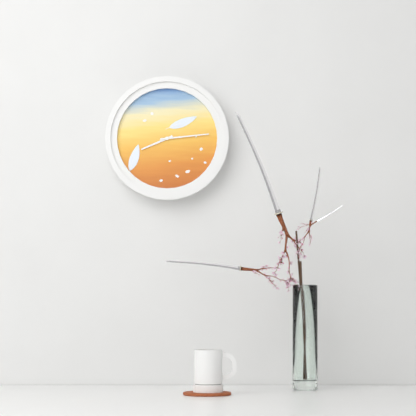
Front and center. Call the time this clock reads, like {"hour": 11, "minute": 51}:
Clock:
{"hour": 8, "minute": 14}
